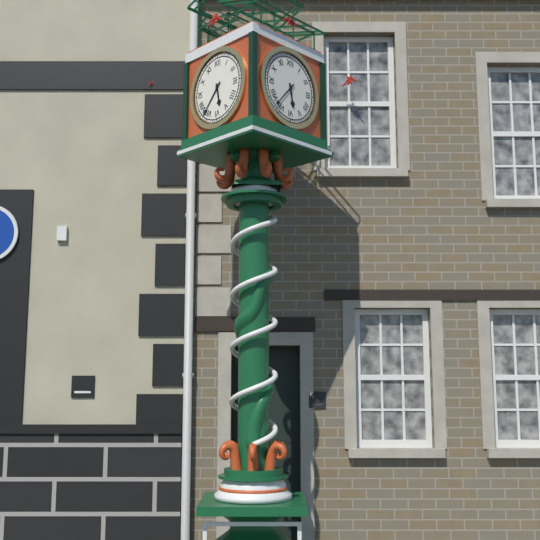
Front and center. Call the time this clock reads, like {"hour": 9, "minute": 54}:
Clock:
{"hour": 5, "minute": 37}
